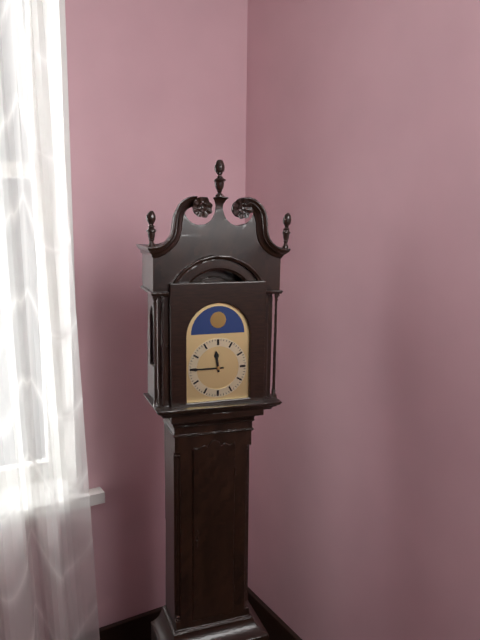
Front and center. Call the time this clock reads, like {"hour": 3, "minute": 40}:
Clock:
{"hour": 11, "minute": 45}
